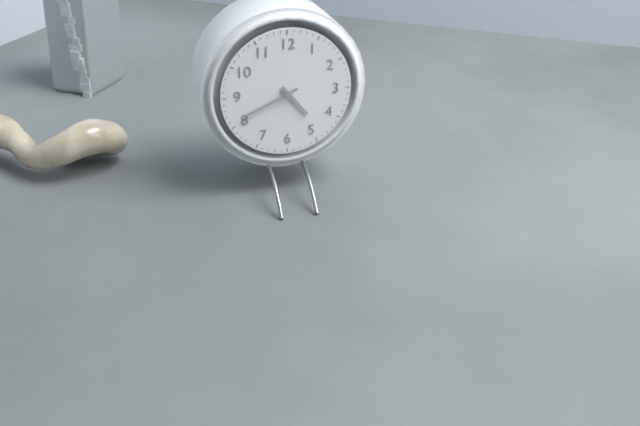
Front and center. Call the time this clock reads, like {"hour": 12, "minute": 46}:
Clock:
{"hour": 4, "minute": 41}
